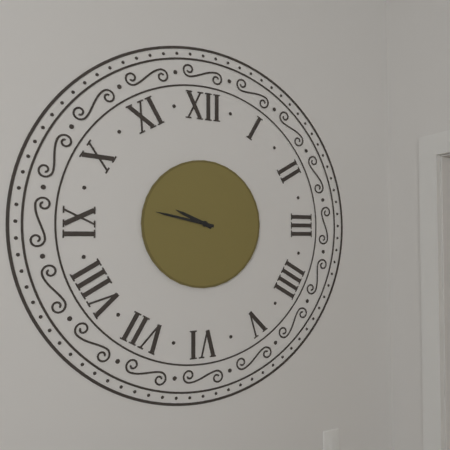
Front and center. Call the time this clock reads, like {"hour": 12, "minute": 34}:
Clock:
{"hour": 9, "minute": 47}
